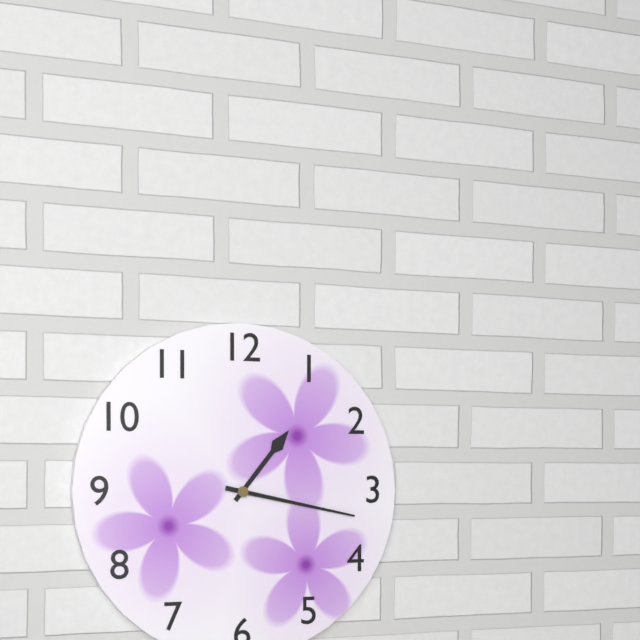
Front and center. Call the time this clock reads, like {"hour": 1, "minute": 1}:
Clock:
{"hour": 1, "minute": 17}
